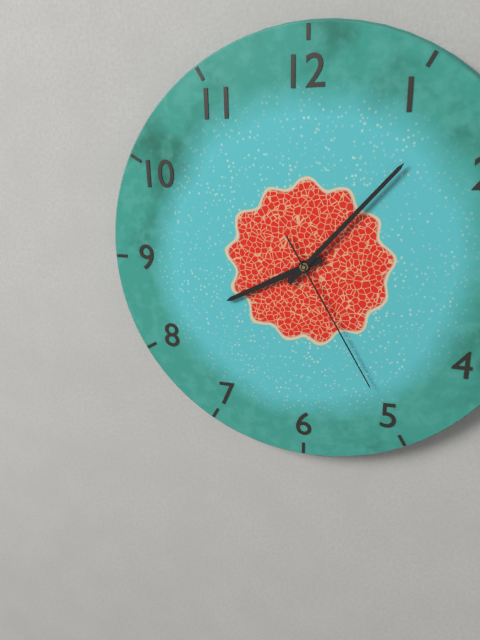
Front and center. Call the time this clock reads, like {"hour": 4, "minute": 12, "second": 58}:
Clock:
{"hour": 8, "minute": 7, "second": 25}
